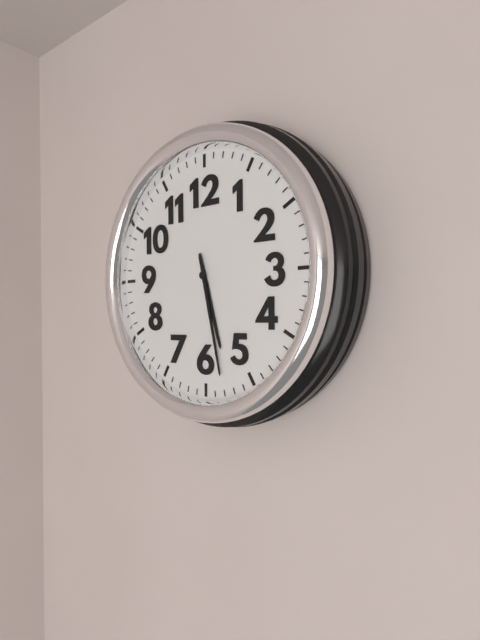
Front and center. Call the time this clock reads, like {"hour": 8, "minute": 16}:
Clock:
{"hour": 5, "minute": 28}
